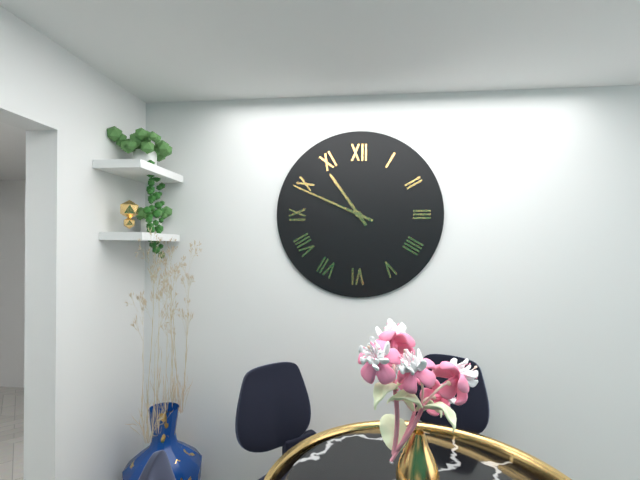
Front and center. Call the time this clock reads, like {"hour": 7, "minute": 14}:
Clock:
{"hour": 10, "minute": 49}
